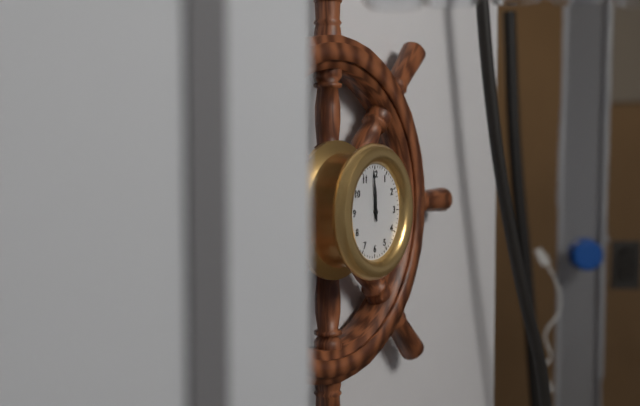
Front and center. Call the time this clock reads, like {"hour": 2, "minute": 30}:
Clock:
{"hour": 11, "minute": 59}
